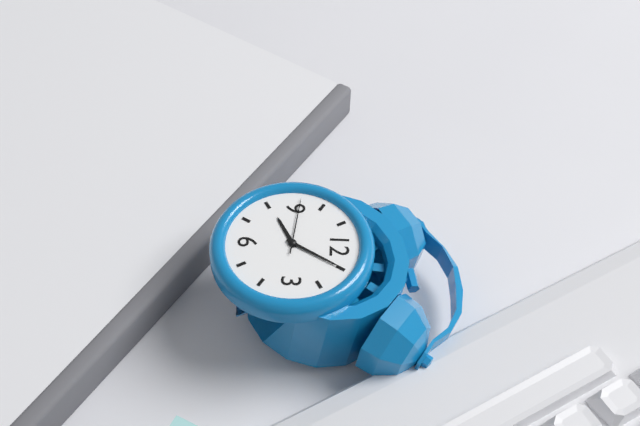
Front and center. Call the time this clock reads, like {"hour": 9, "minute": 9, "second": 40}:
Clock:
{"hour": 8, "minute": 5, "second": 46}
